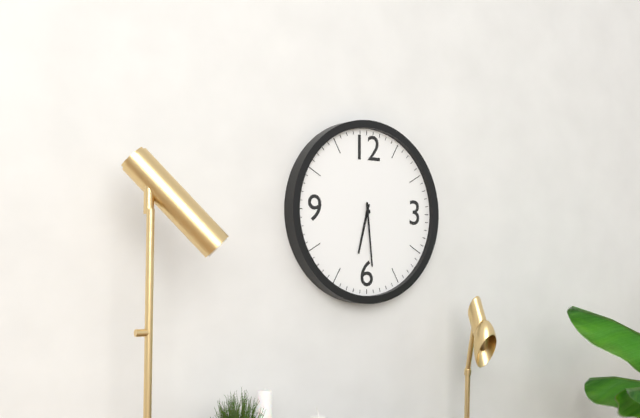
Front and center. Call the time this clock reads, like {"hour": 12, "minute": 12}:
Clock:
{"hour": 6, "minute": 29}
